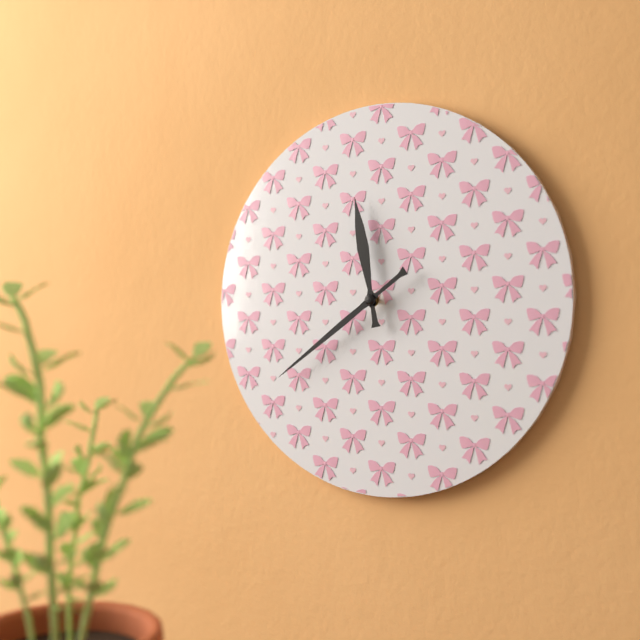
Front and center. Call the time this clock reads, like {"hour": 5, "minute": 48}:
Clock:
{"hour": 11, "minute": 39}
